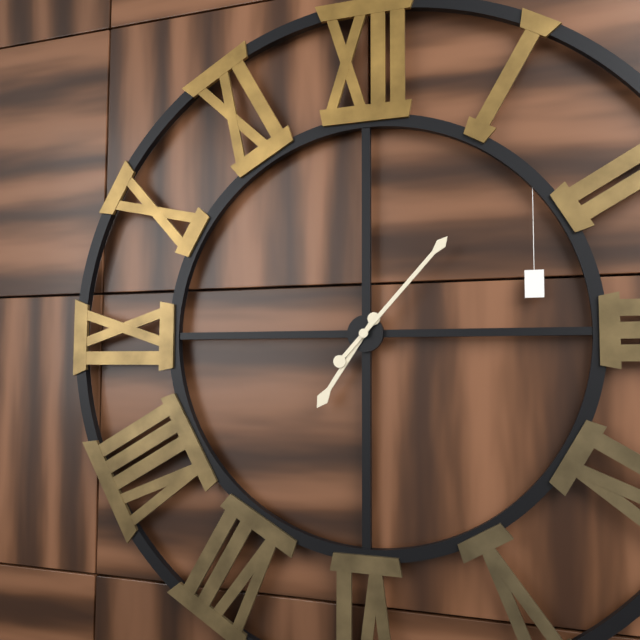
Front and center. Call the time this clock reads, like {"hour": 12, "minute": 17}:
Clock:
{"hour": 7, "minute": 7}
